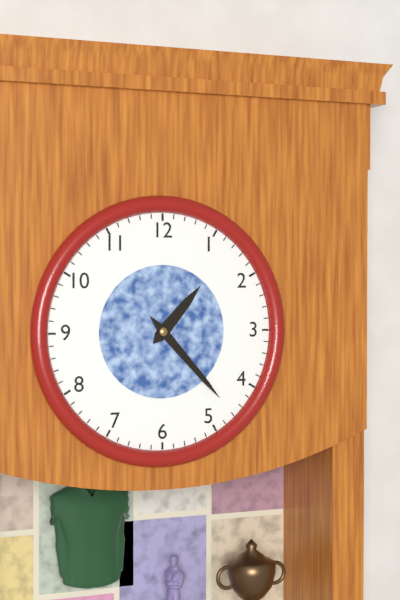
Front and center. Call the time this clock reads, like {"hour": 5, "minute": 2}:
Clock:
{"hour": 1, "minute": 23}
